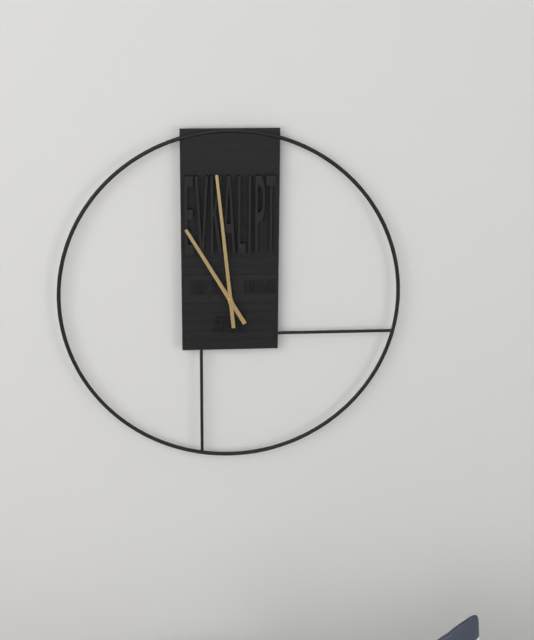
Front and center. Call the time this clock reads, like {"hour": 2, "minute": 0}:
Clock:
{"hour": 10, "minute": 59}
